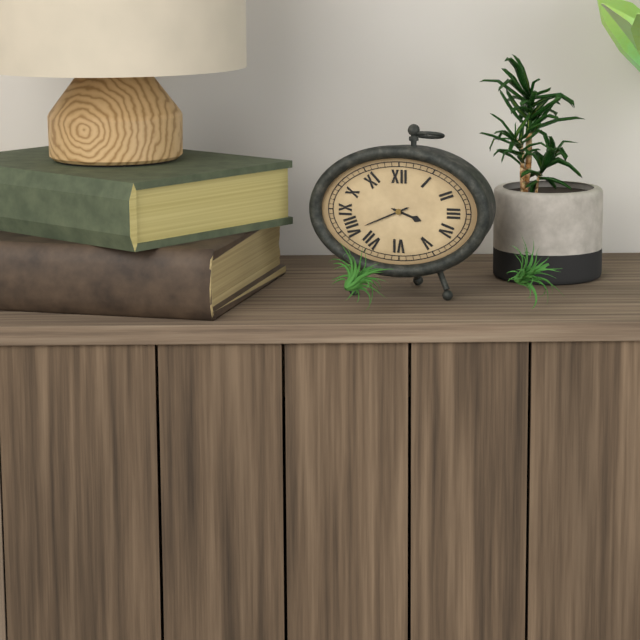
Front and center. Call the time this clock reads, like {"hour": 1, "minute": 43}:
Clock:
{"hour": 3, "minute": 41}
